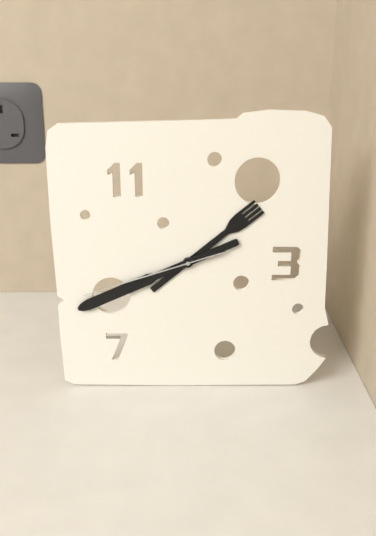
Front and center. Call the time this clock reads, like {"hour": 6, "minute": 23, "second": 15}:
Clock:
{"hour": 1, "minute": 41, "second": 42}
